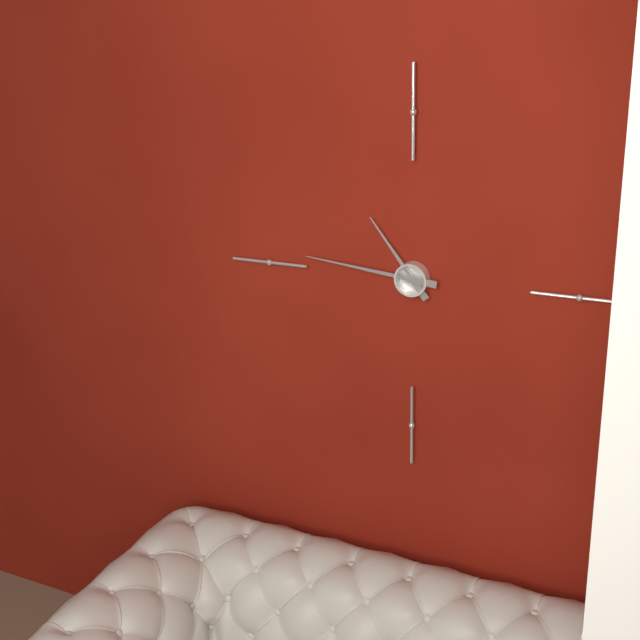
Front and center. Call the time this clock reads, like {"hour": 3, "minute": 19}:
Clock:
{"hour": 10, "minute": 46}
